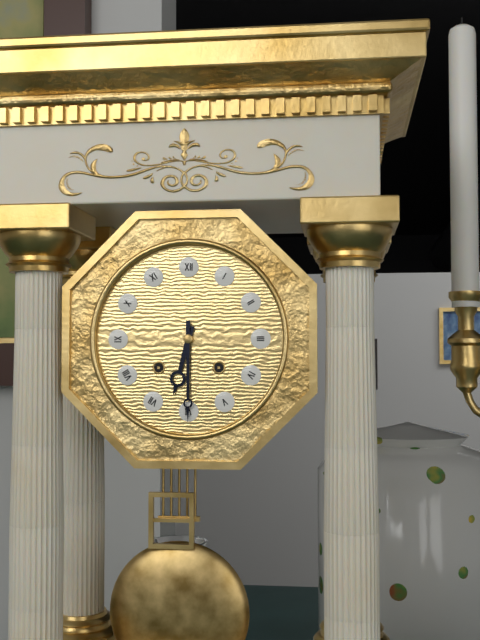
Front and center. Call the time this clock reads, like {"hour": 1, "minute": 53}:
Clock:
{"hour": 6, "minute": 30}
